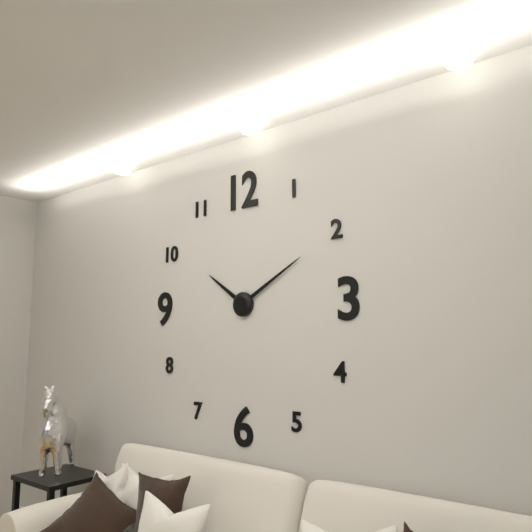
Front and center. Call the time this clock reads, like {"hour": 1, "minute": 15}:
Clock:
{"hour": 10, "minute": 10}
